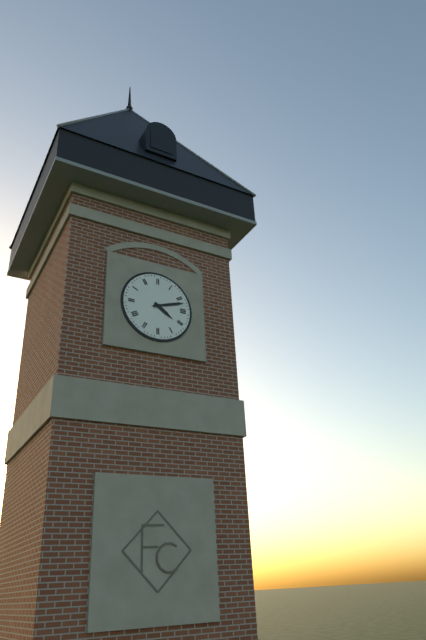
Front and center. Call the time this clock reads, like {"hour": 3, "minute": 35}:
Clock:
{"hour": 4, "minute": 12}
